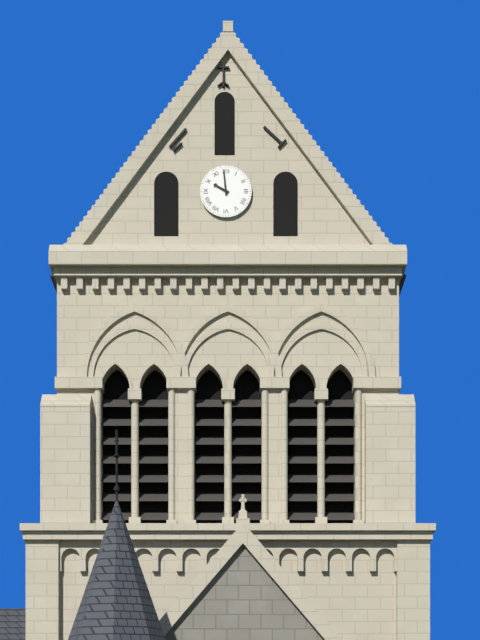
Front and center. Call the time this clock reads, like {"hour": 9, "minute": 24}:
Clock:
{"hour": 9, "minute": 59}
